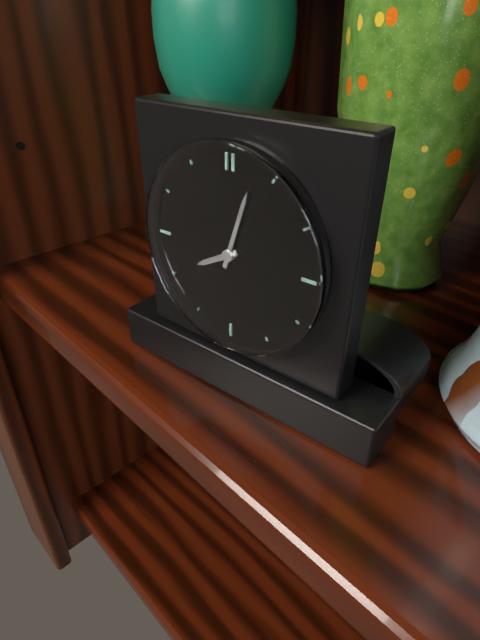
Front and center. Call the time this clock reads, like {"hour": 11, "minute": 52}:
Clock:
{"hour": 8, "minute": 3}
